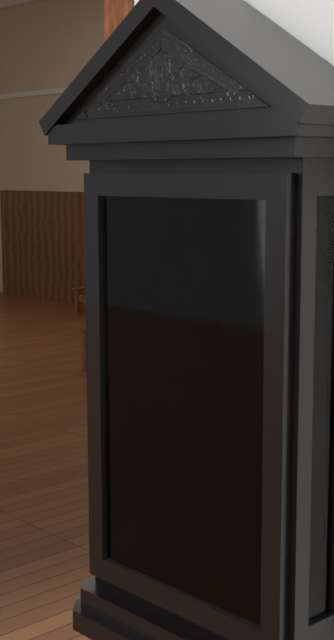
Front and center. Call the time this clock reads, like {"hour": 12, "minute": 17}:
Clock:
{"hour": 12, "minute": 31}
